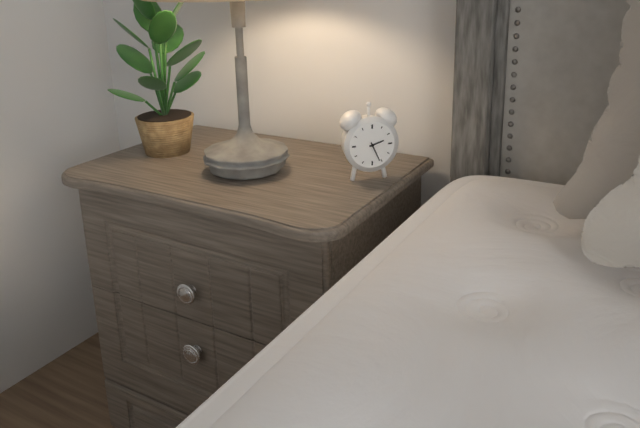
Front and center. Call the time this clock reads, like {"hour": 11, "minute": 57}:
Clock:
{"hour": 2, "minute": 26}
